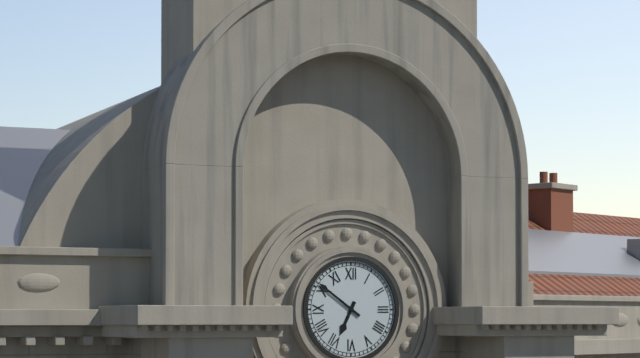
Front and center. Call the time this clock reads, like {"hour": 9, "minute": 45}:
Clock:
{"hour": 6, "minute": 51}
